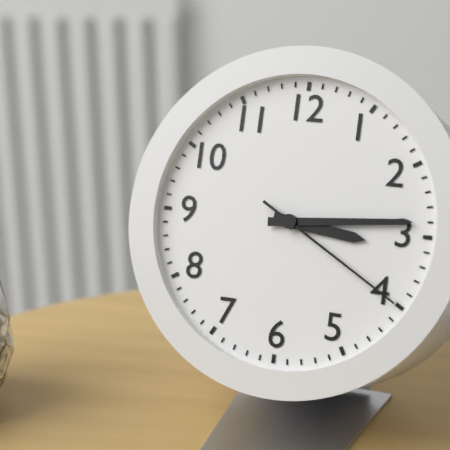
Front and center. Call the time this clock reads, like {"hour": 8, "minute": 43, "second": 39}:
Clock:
{"hour": 3, "minute": 14, "second": 20}
